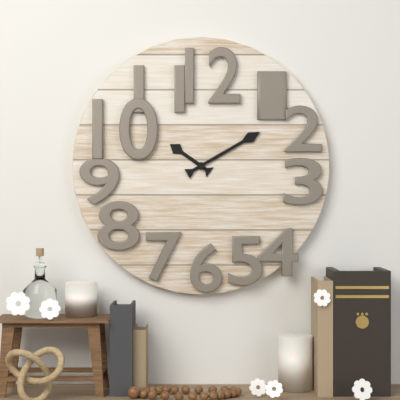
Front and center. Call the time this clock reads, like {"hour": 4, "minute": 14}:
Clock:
{"hour": 10, "minute": 10}
